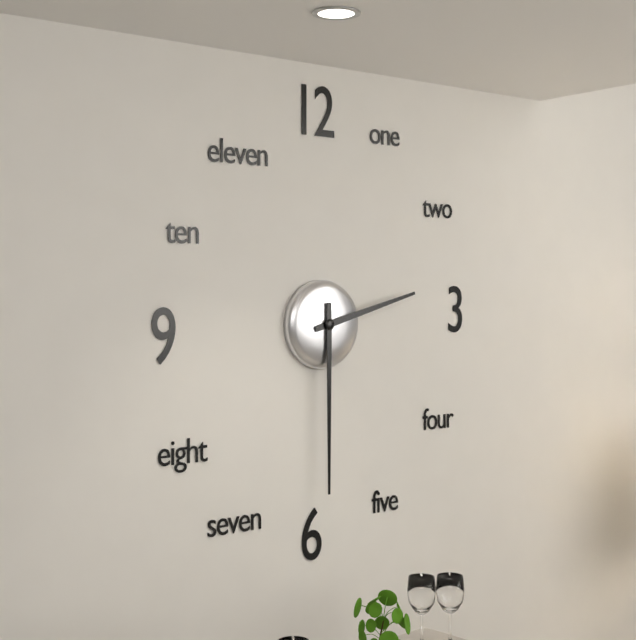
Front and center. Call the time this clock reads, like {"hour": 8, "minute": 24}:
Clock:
{"hour": 2, "minute": 30}
